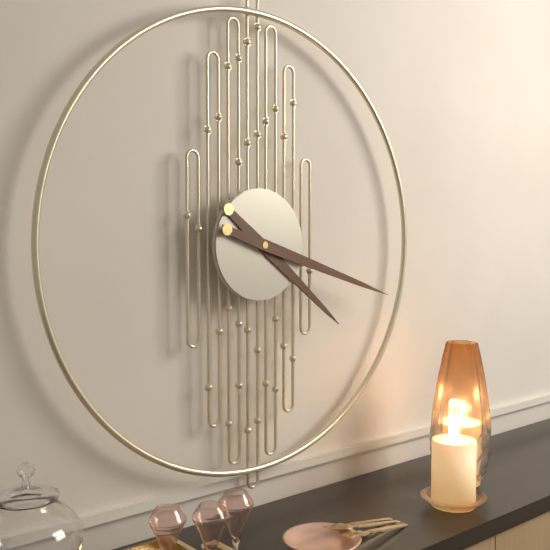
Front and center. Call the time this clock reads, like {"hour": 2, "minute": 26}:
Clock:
{"hour": 4, "minute": 18}
